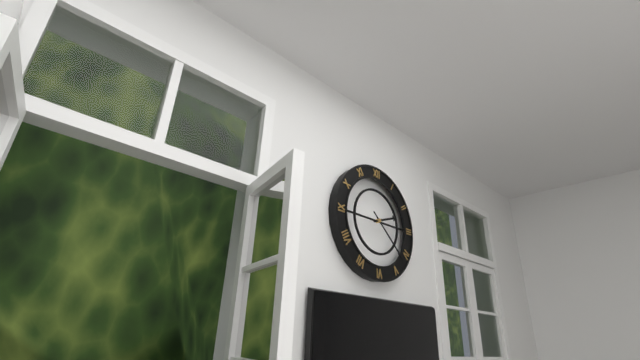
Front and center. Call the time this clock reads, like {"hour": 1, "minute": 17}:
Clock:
{"hour": 2, "minute": 22}
